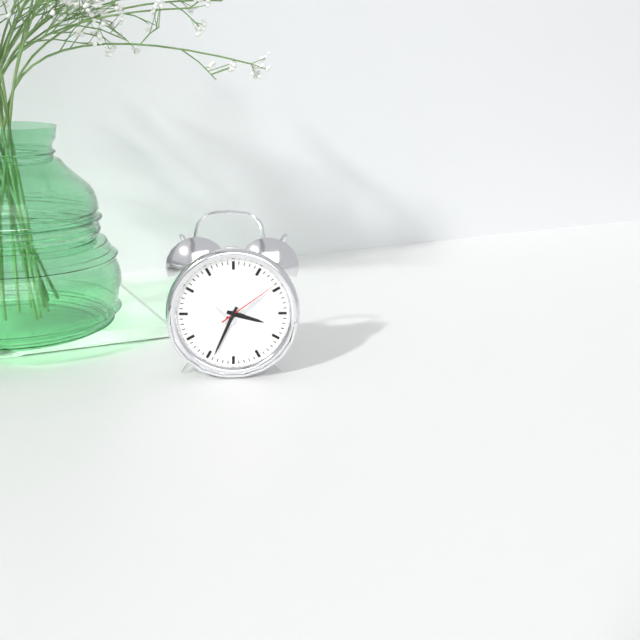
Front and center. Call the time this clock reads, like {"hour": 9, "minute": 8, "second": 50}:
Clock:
{"hour": 3, "minute": 34, "second": 9}
